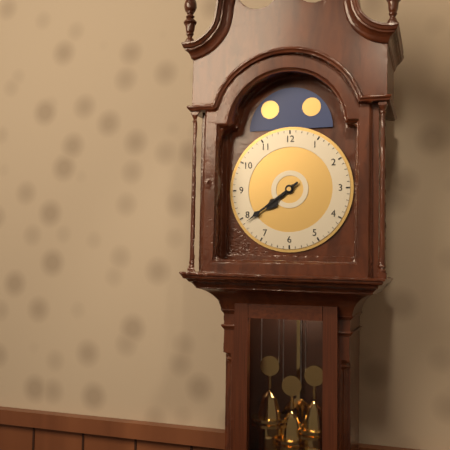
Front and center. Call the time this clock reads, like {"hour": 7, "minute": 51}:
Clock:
{"hour": 7, "minute": 39}
